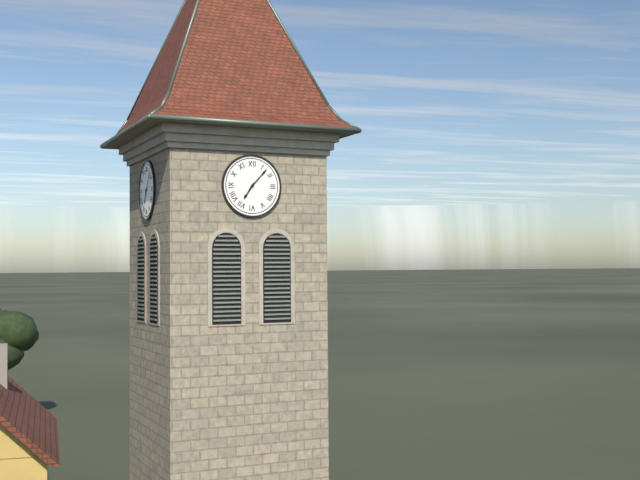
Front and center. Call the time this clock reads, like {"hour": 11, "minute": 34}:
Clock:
{"hour": 7, "minute": 7}
